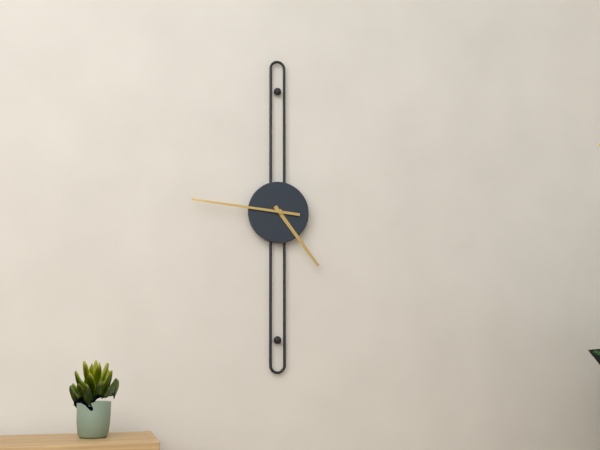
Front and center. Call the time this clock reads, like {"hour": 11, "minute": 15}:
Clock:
{"hour": 4, "minute": 46}
